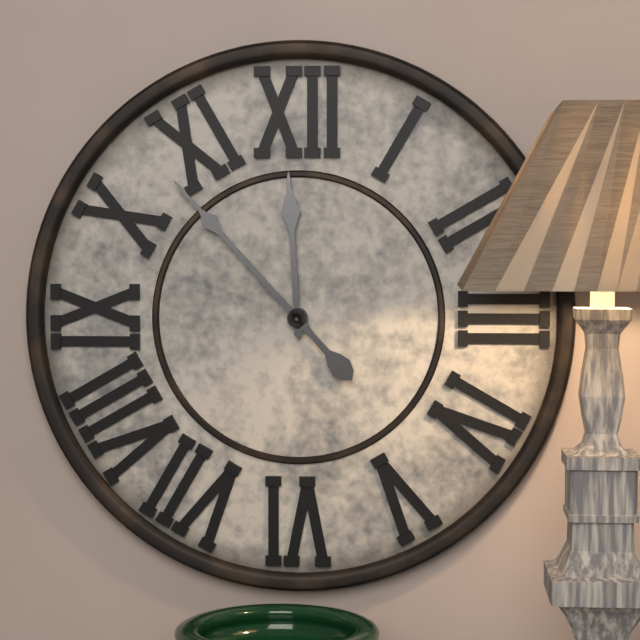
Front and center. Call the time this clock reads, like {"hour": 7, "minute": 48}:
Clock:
{"hour": 11, "minute": 53}
